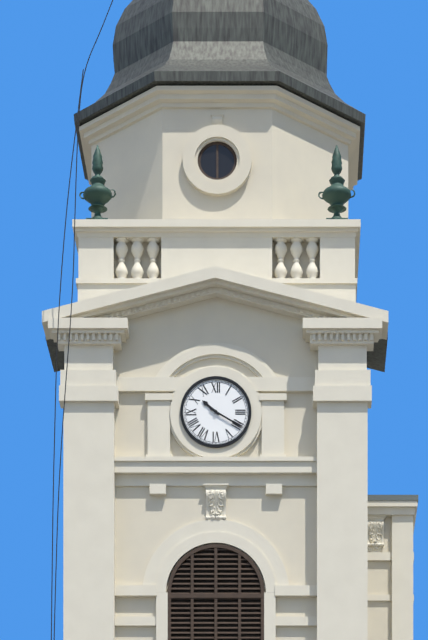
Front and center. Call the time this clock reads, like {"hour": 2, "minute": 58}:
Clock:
{"hour": 10, "minute": 20}
